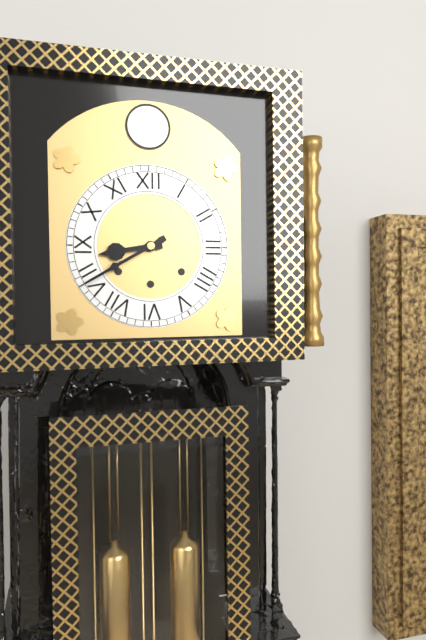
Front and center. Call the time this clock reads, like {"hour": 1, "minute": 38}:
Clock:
{"hour": 8, "minute": 40}
